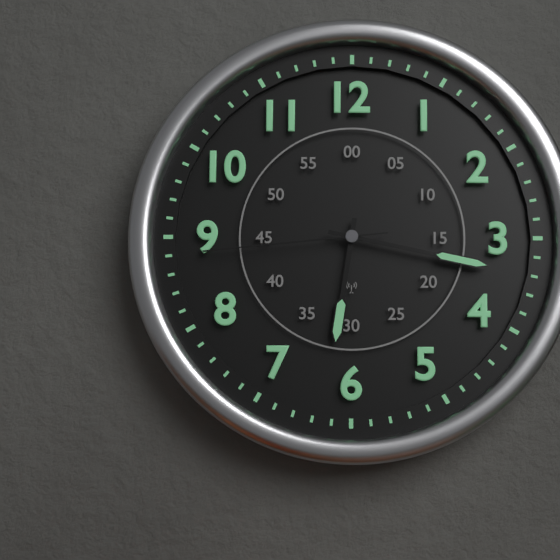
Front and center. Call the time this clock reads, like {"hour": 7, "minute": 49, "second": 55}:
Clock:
{"hour": 6, "minute": 17, "second": 44}
